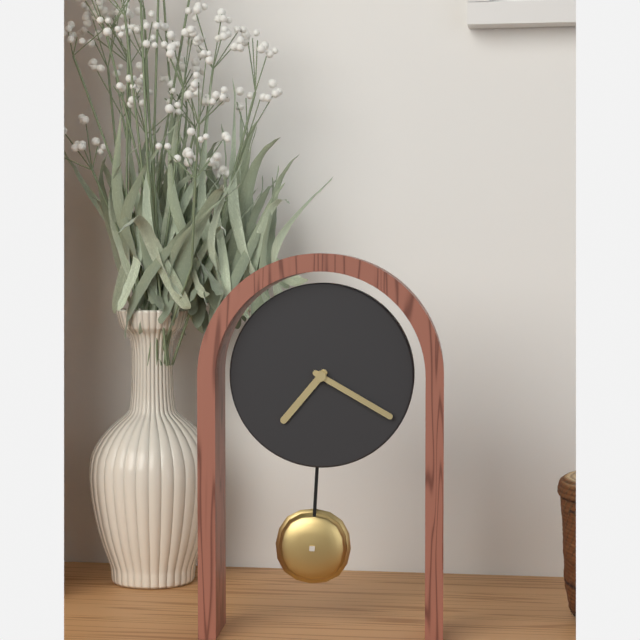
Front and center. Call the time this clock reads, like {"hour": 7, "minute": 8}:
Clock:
{"hour": 7, "minute": 20}
